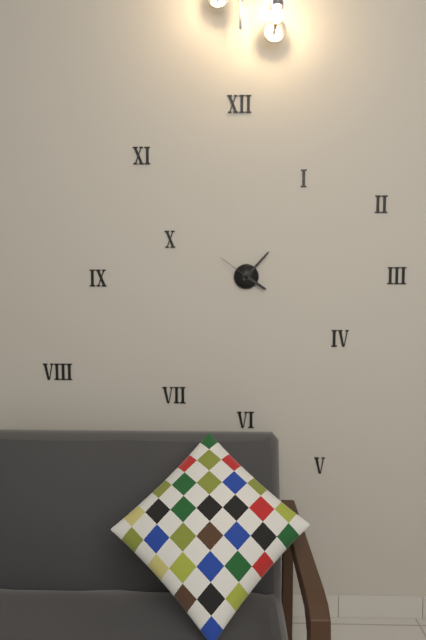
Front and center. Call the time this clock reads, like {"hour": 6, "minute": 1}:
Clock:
{"hour": 4, "minute": 7}
